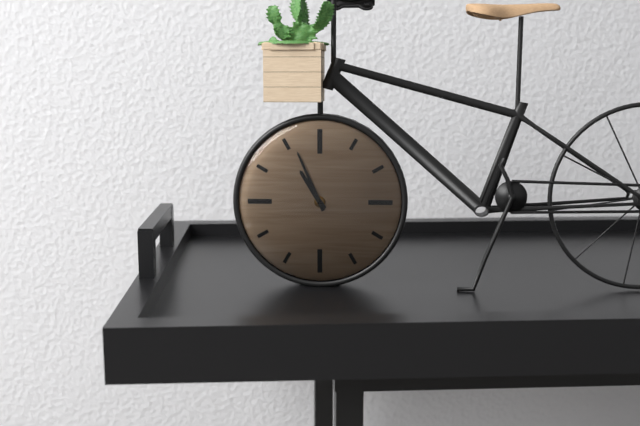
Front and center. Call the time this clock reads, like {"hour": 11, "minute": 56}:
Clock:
{"hour": 10, "minute": 56}
